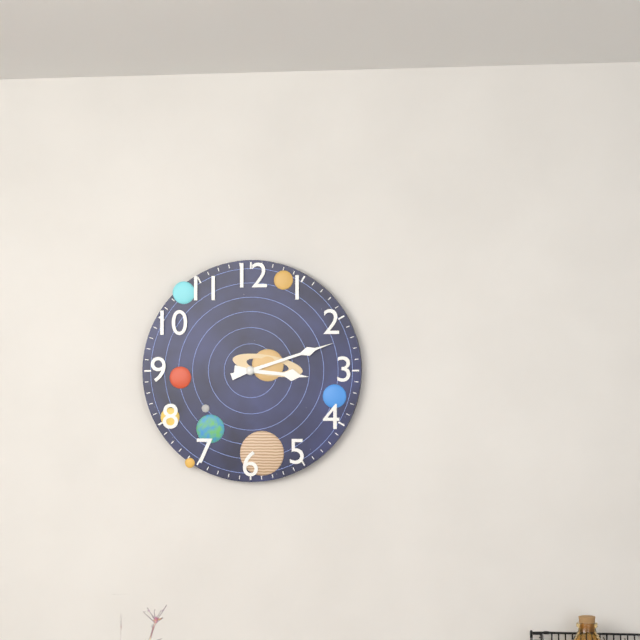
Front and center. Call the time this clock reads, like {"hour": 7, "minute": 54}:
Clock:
{"hour": 3, "minute": 12}
